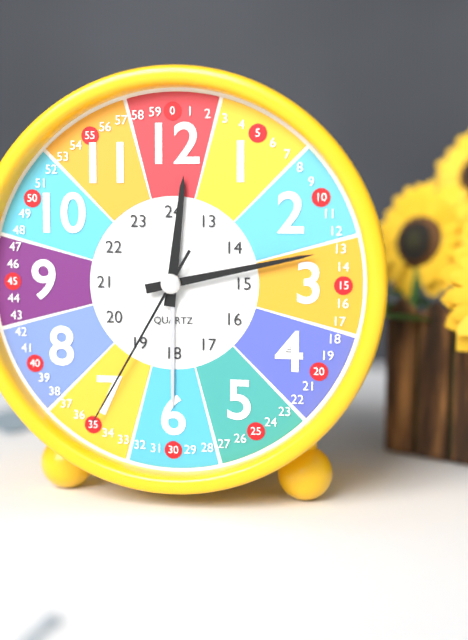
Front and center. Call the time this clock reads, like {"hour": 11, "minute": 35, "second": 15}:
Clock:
{"hour": 12, "minute": 13, "second": 35}
